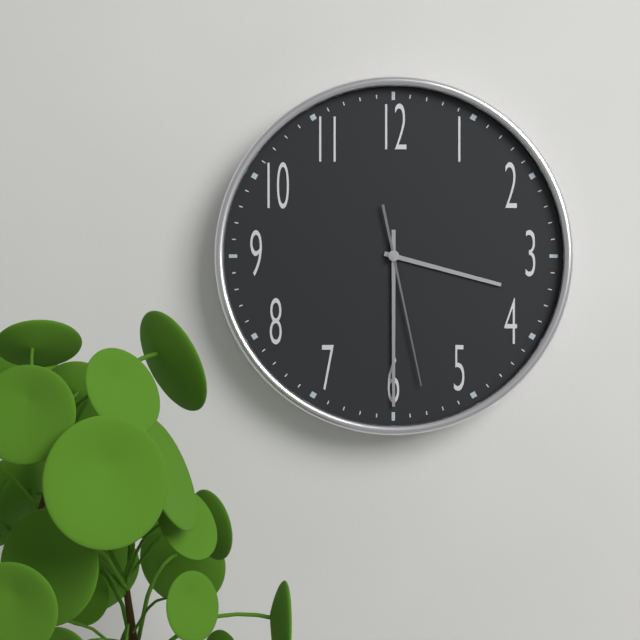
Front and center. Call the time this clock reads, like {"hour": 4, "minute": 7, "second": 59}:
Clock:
{"hour": 3, "minute": 30, "second": 28}
